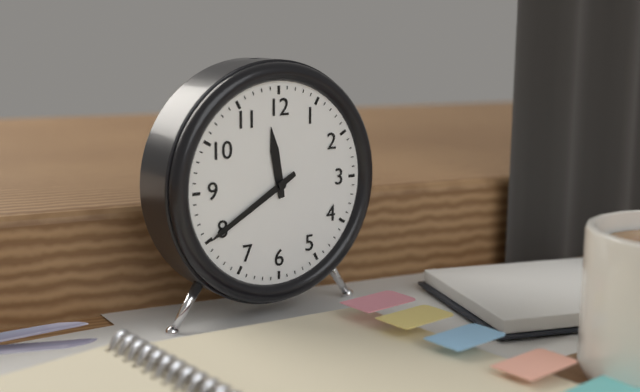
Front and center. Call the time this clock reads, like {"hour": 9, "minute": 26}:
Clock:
{"hour": 11, "minute": 40}
